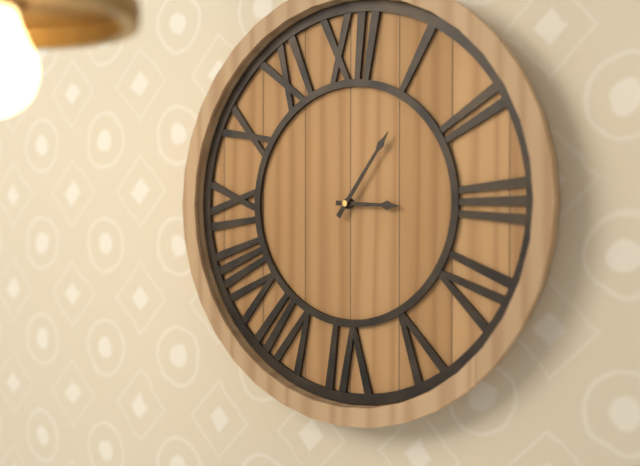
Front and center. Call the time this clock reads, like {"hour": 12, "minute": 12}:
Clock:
{"hour": 3, "minute": 6}
